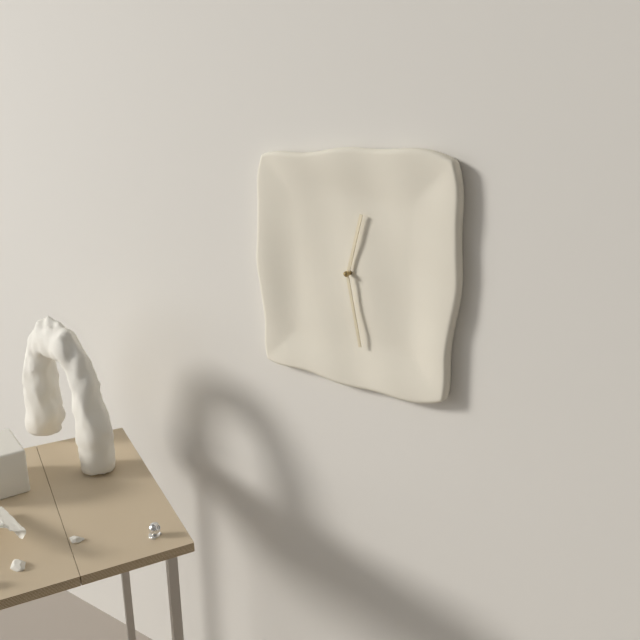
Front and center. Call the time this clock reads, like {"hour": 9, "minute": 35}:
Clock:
{"hour": 12, "minute": 28}
